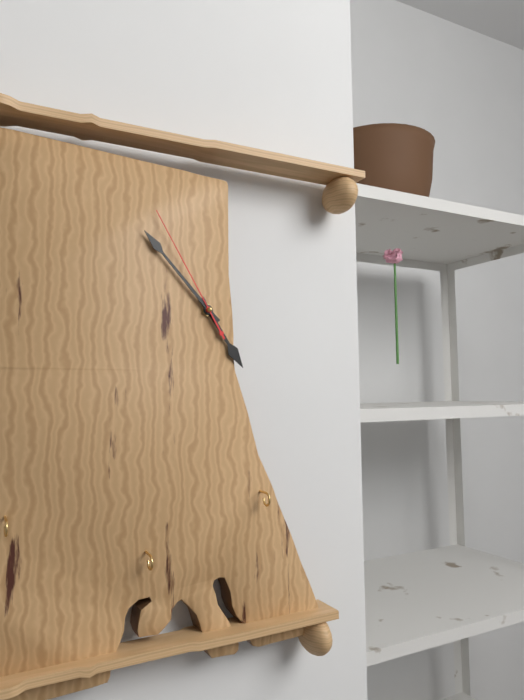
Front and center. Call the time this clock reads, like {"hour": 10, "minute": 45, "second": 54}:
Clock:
{"hour": 4, "minute": 53, "second": 55}
